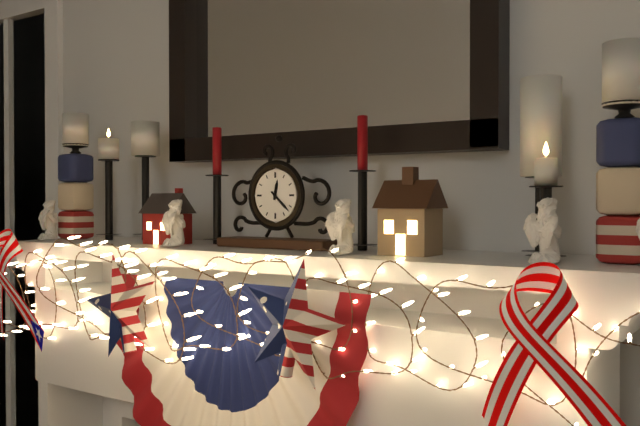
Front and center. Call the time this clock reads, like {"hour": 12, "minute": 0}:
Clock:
{"hour": 12, "minute": 22}
